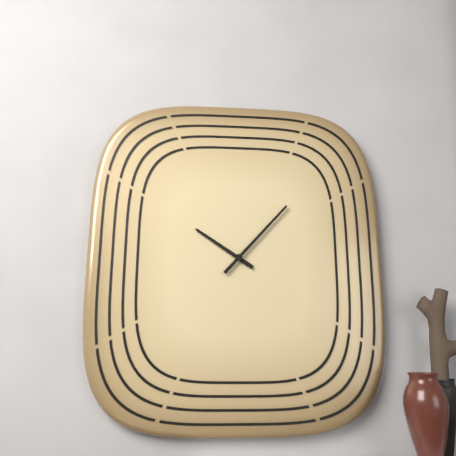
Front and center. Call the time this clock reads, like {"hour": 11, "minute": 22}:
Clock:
{"hour": 10, "minute": 7}
